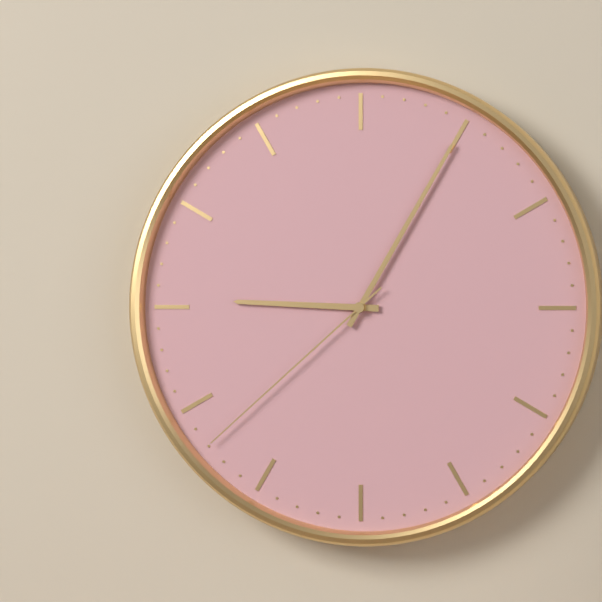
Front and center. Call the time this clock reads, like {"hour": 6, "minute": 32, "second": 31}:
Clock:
{"hour": 9, "minute": 5, "second": 38}
